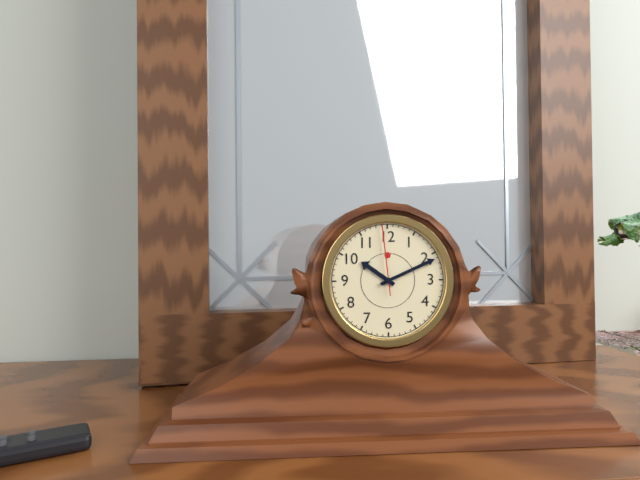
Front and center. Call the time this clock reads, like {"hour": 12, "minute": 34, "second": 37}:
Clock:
{"hour": 10, "minute": 11, "second": 59}
